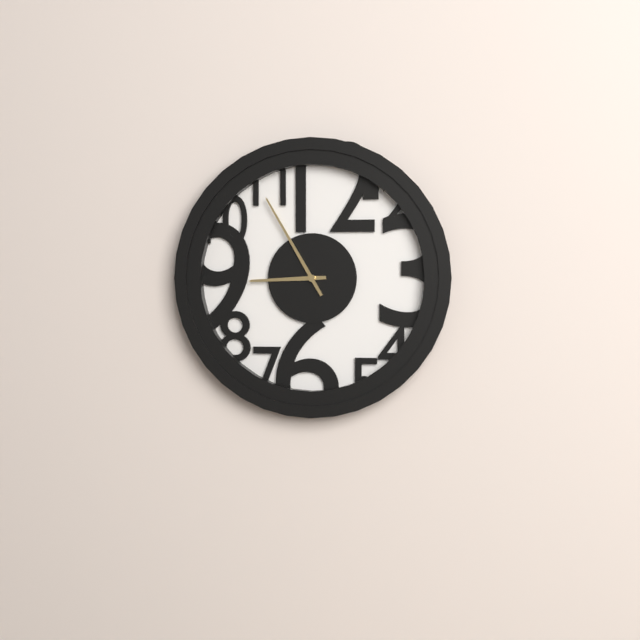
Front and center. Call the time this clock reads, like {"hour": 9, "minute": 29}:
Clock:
{"hour": 8, "minute": 55}
